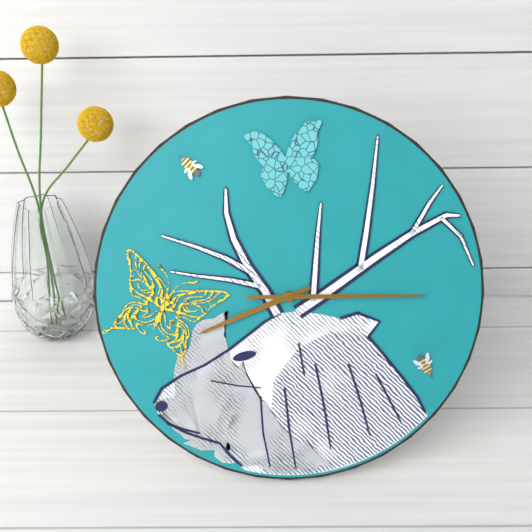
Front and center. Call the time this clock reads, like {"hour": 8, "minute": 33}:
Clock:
{"hour": 8, "minute": 15}
